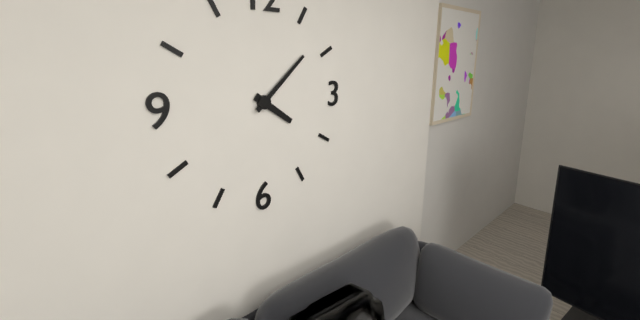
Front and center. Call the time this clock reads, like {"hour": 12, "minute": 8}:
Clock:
{"hour": 4, "minute": 8}
